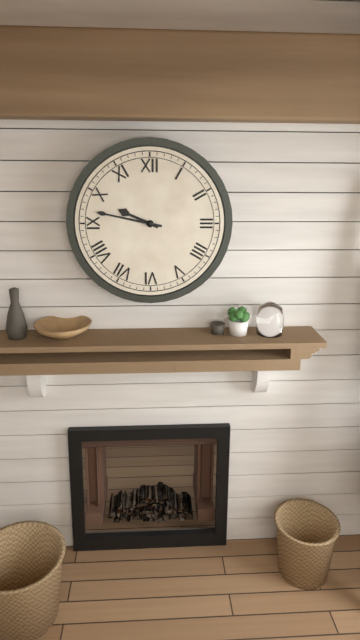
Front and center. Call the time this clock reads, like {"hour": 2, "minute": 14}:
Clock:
{"hour": 9, "minute": 47}
